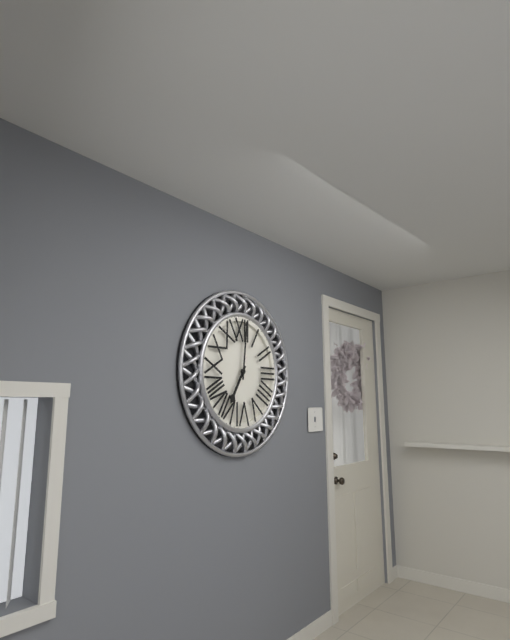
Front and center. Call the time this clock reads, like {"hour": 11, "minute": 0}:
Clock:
{"hour": 7, "minute": 1}
